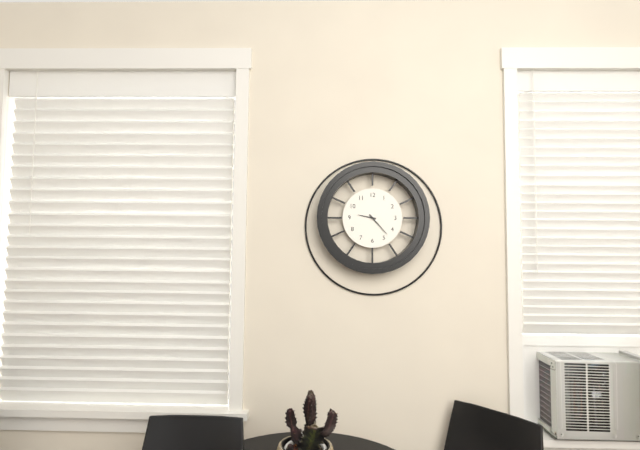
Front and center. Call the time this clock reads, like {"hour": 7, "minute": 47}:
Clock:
{"hour": 9, "minute": 23}
